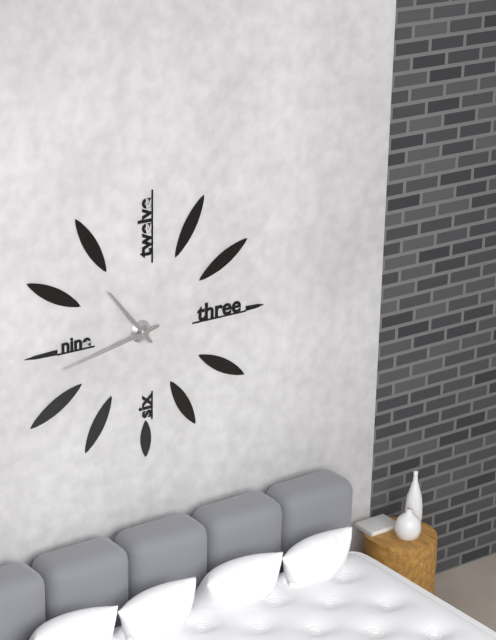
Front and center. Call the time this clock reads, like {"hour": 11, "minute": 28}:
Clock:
{"hour": 10, "minute": 43}
